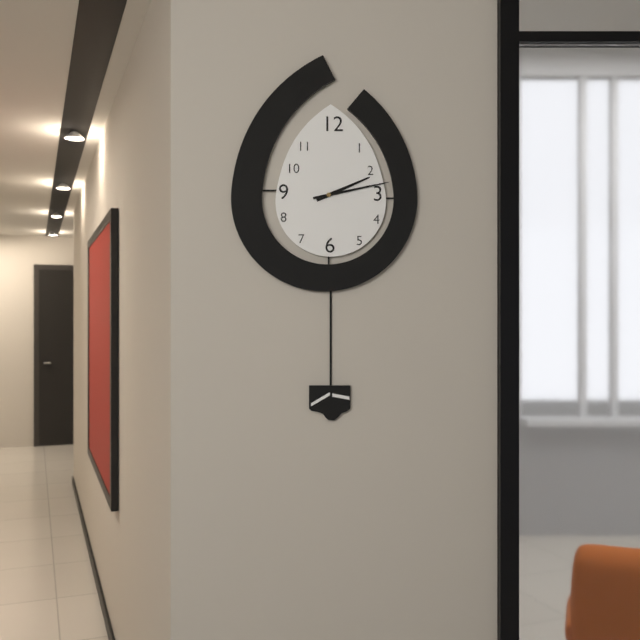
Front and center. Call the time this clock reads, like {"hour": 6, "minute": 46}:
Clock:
{"hour": 2, "minute": 13}
